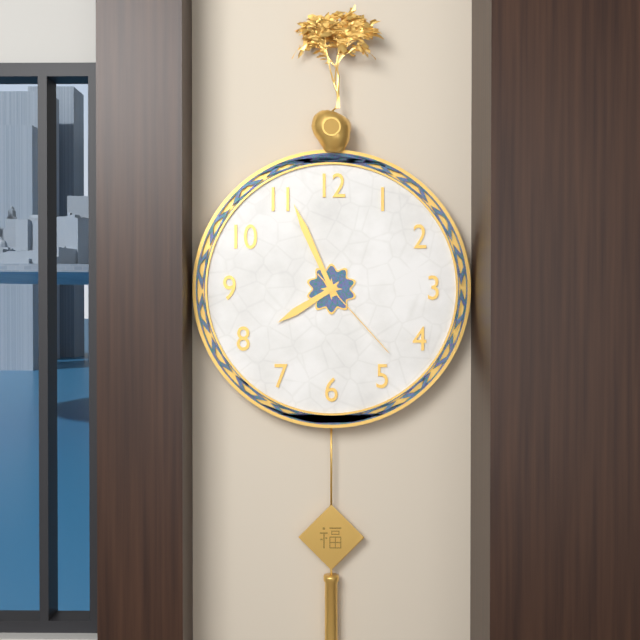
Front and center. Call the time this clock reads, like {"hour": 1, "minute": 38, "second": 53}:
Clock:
{"hour": 7, "minute": 56, "second": 23}
